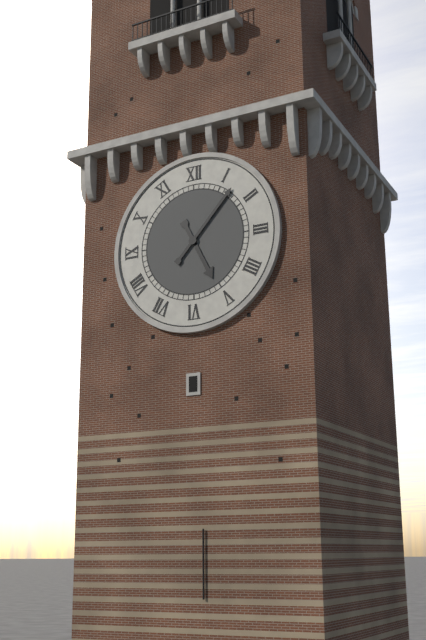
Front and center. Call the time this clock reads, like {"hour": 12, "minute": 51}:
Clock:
{"hour": 5, "minute": 7}
